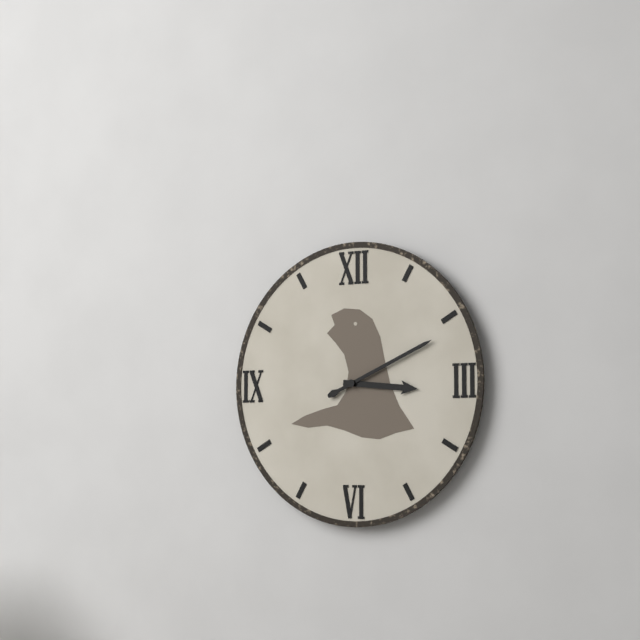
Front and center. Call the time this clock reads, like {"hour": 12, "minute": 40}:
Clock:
{"hour": 3, "minute": 11}
